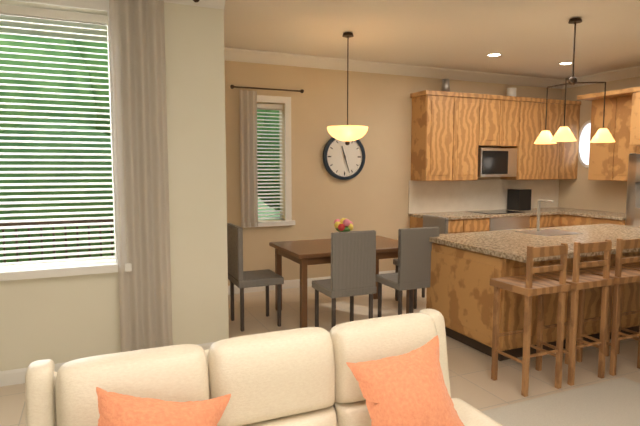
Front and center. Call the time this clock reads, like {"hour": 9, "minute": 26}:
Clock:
{"hour": 11, "minute": 27}
